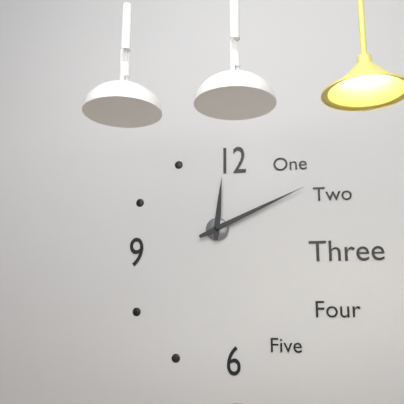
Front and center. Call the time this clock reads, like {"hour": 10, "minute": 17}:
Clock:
{"hour": 12, "minute": 11}
